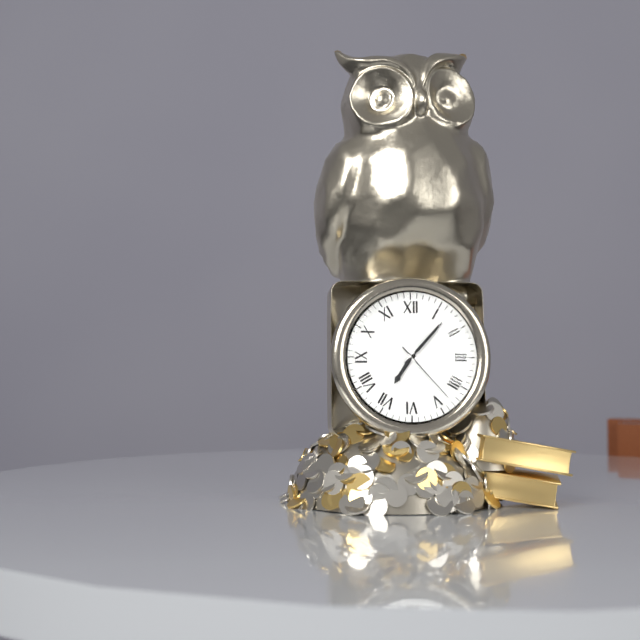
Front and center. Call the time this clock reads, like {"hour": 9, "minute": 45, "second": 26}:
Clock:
{"hour": 7, "minute": 7, "second": 23}
